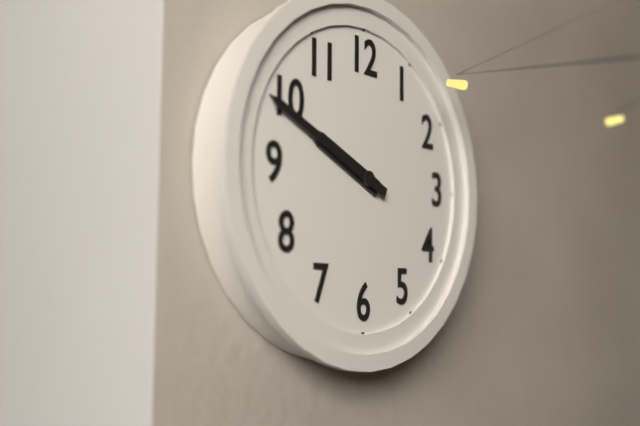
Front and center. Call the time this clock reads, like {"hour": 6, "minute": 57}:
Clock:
{"hour": 9, "minute": 49}
